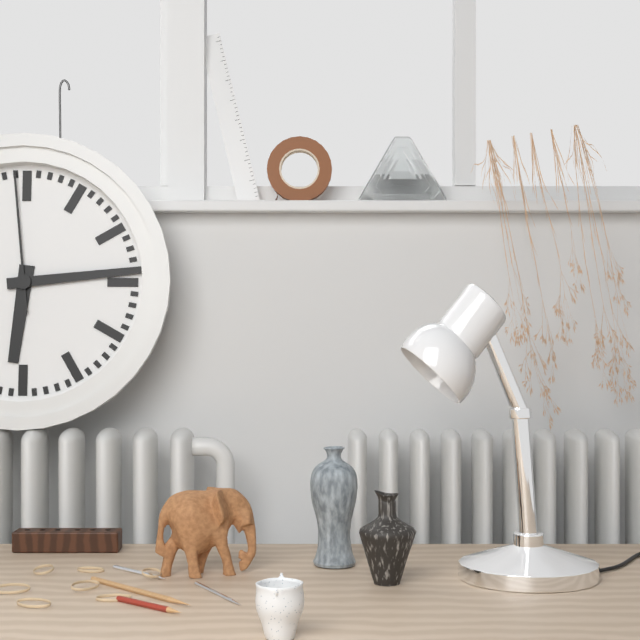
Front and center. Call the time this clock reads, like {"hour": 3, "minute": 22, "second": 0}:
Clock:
{"hour": 6, "minute": 14, "second": 59}
